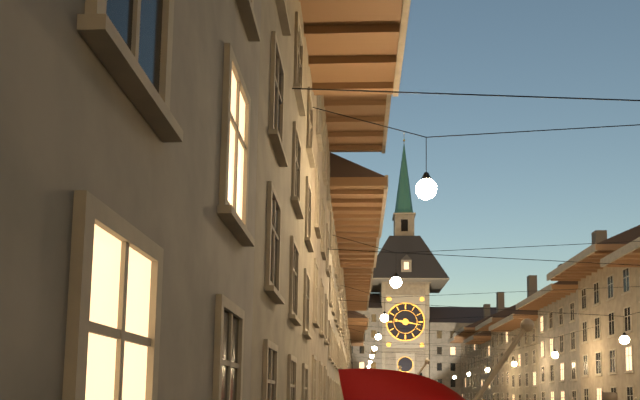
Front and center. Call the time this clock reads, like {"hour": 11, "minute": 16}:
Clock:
{"hour": 9, "minute": 17}
